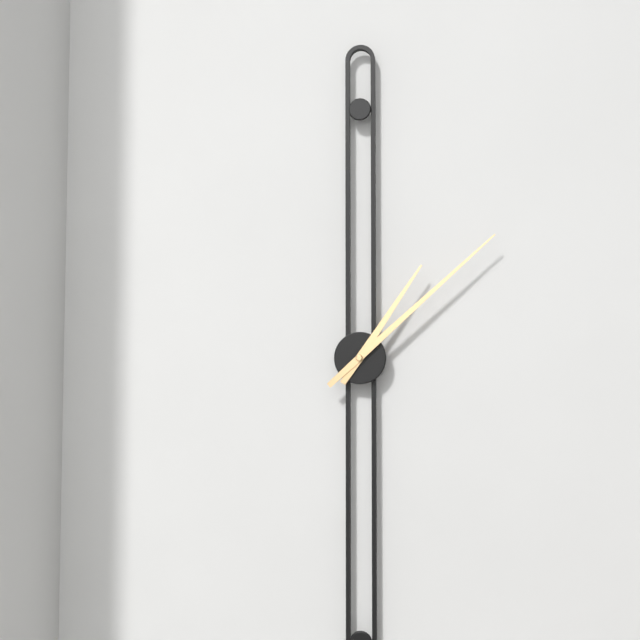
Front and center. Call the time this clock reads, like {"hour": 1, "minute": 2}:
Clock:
{"hour": 1, "minute": 8}
